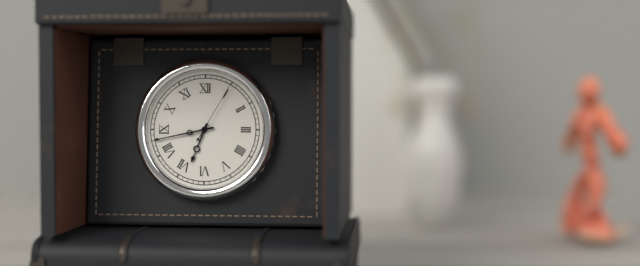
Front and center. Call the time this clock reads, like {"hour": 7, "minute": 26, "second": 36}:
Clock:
{"hour": 6, "minute": 43, "second": 5}
